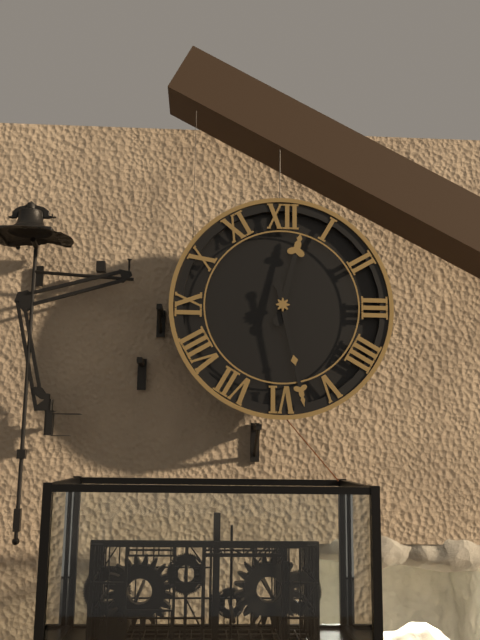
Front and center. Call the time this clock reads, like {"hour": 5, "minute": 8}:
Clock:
{"hour": 12, "minute": 28}
